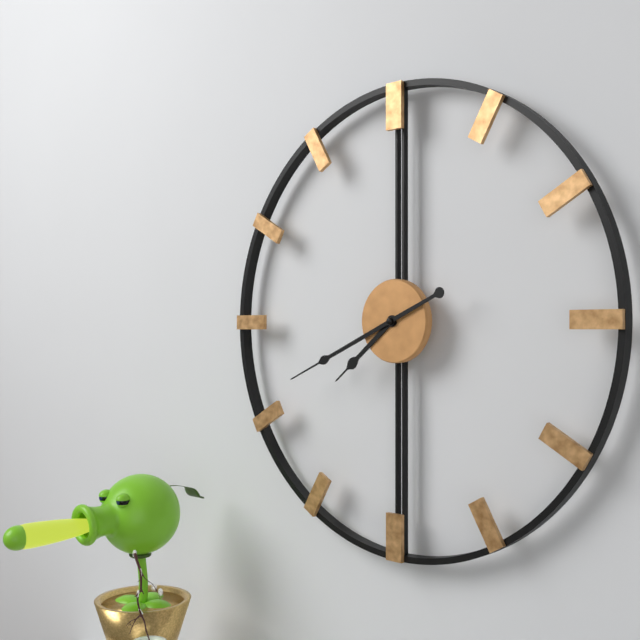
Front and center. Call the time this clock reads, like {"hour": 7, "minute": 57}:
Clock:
{"hour": 7, "minute": 41}
